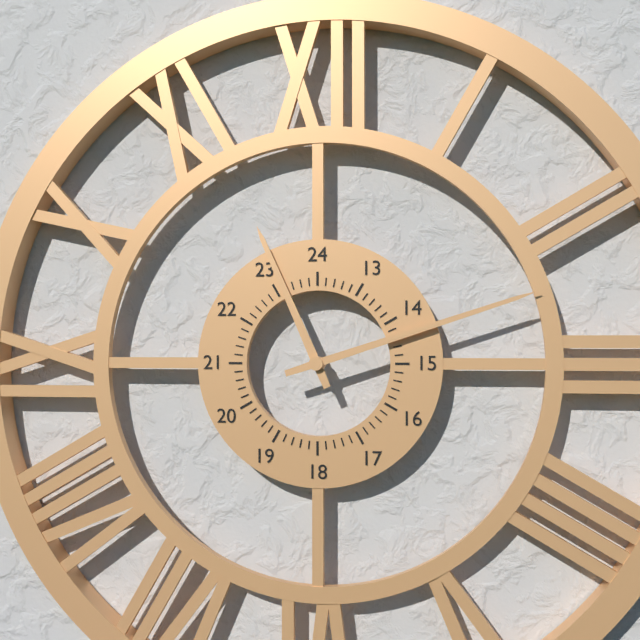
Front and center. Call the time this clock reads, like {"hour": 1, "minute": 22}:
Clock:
{"hour": 11, "minute": 12}
